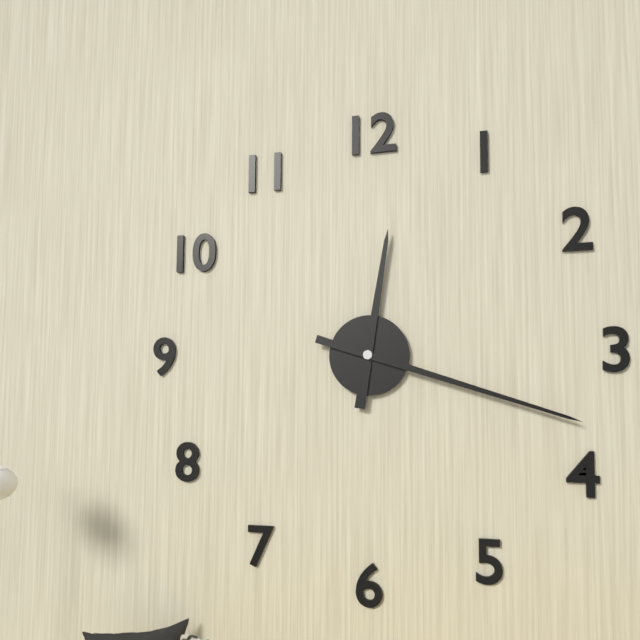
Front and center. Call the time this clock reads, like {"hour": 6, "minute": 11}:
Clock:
{"hour": 12, "minute": 18}
